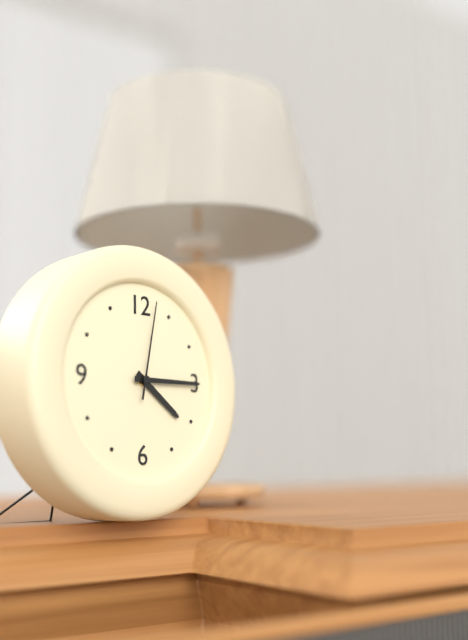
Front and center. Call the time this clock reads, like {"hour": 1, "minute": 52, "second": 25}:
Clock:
{"hour": 4, "minute": 15, "second": 2}
